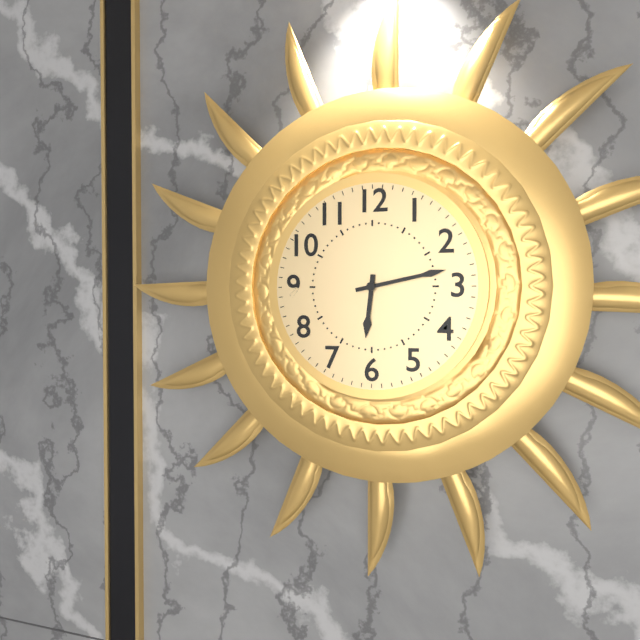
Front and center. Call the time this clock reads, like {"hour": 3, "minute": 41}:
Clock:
{"hour": 6, "minute": 13}
